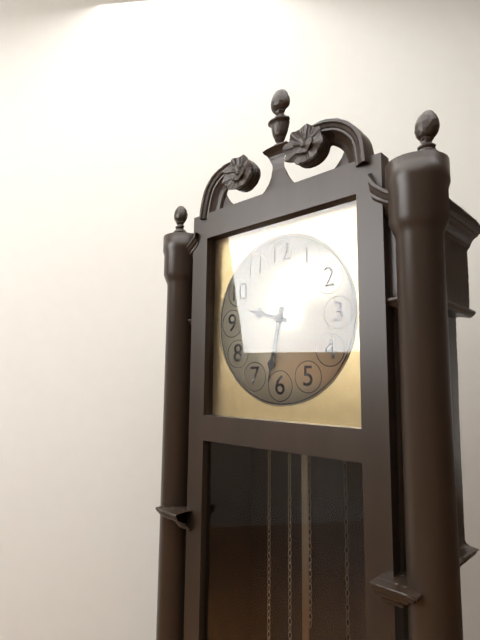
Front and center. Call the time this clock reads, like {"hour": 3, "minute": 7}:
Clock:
{"hour": 9, "minute": 32}
